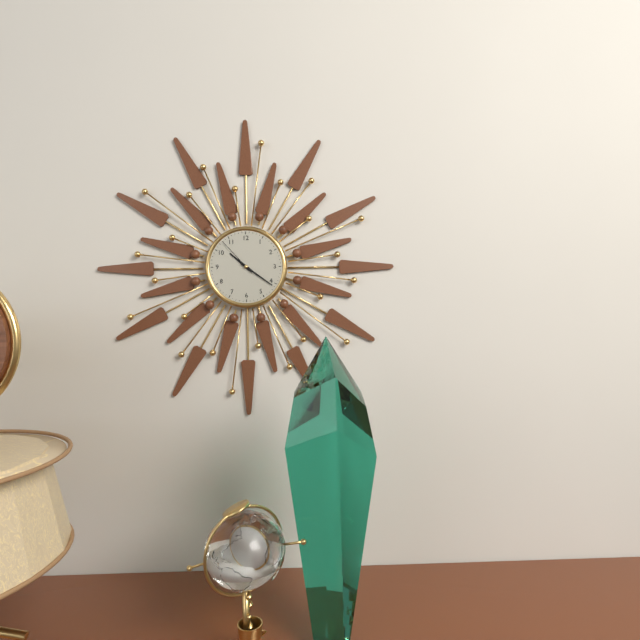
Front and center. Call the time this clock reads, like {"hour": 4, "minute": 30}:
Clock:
{"hour": 10, "minute": 21}
